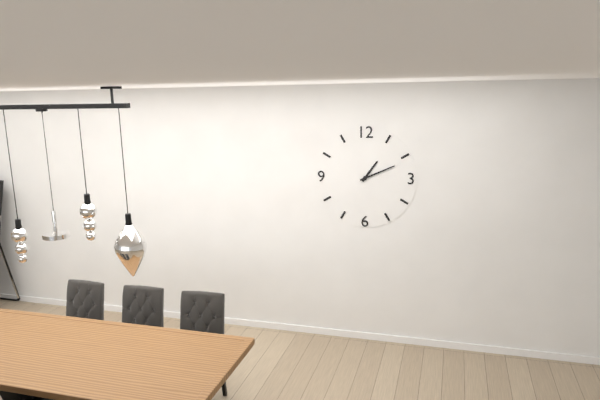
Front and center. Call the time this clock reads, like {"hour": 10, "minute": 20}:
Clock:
{"hour": 1, "minute": 11}
